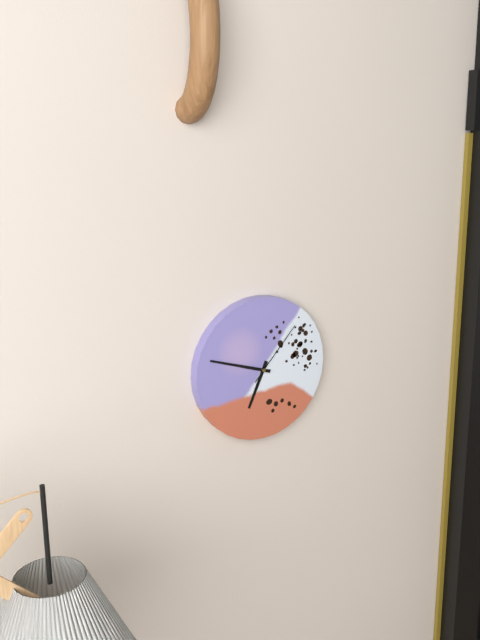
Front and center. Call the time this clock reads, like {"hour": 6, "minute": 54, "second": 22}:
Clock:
{"hour": 6, "minute": 48, "second": 7}
